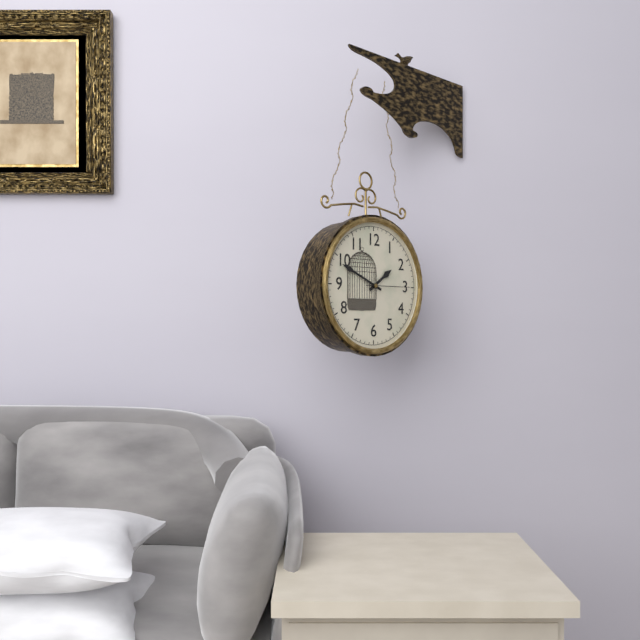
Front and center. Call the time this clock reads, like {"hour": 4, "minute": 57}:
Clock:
{"hour": 1, "minute": 49}
